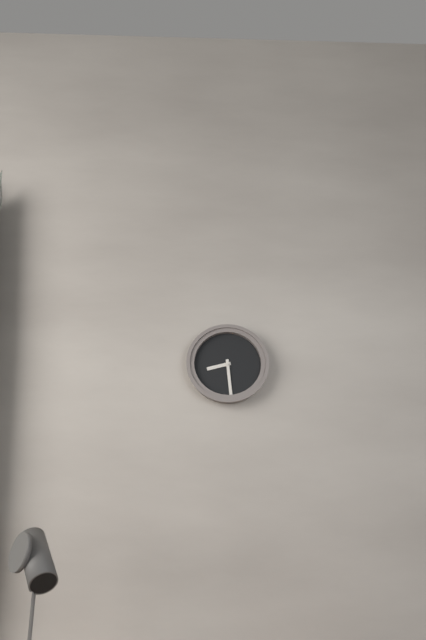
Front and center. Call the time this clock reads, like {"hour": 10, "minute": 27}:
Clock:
{"hour": 8, "minute": 29}
